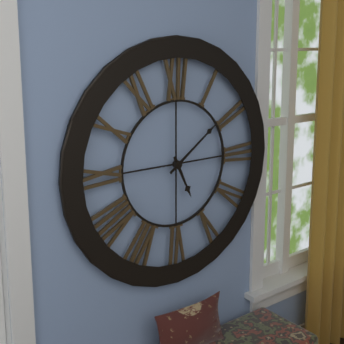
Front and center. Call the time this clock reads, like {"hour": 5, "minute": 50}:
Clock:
{"hour": 5, "minute": 9}
